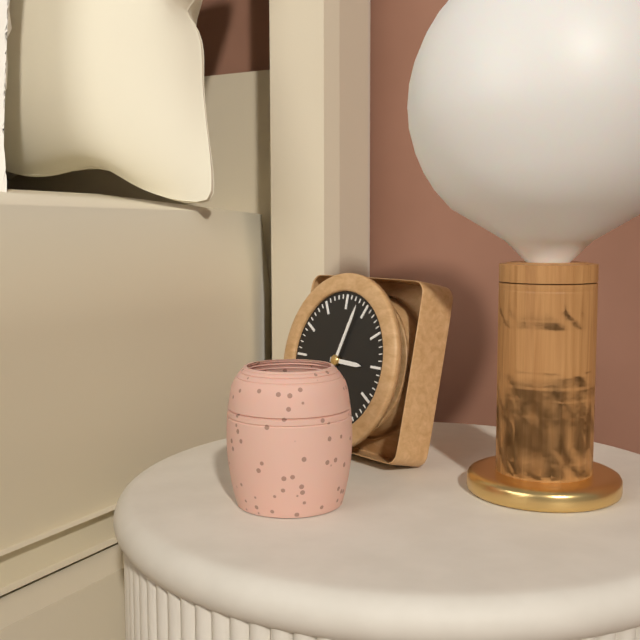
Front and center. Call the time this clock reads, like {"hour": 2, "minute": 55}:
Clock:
{"hour": 3, "minute": 3}
